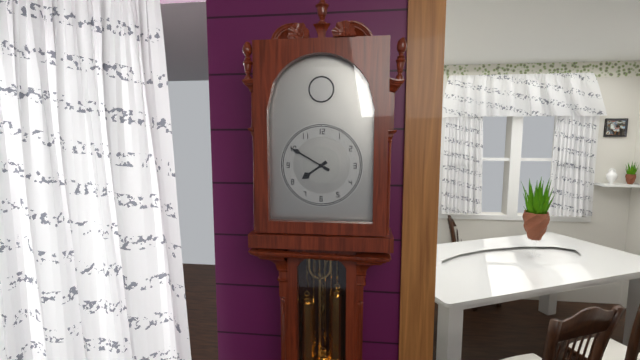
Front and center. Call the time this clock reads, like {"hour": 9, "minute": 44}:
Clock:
{"hour": 7, "minute": 50}
